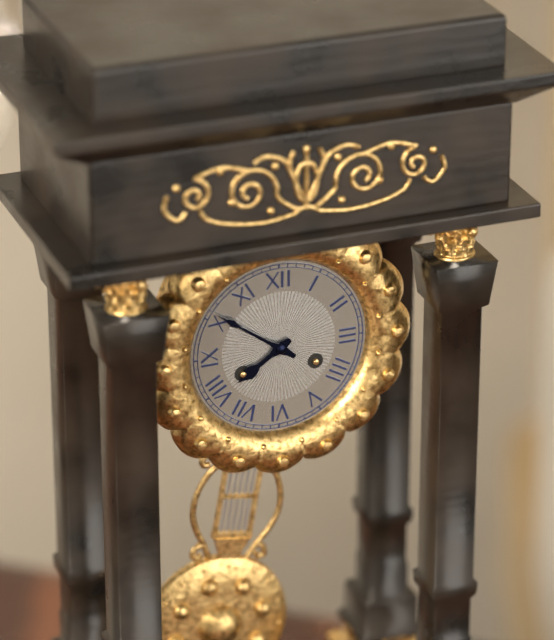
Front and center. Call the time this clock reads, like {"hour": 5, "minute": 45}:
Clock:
{"hour": 7, "minute": 51}
